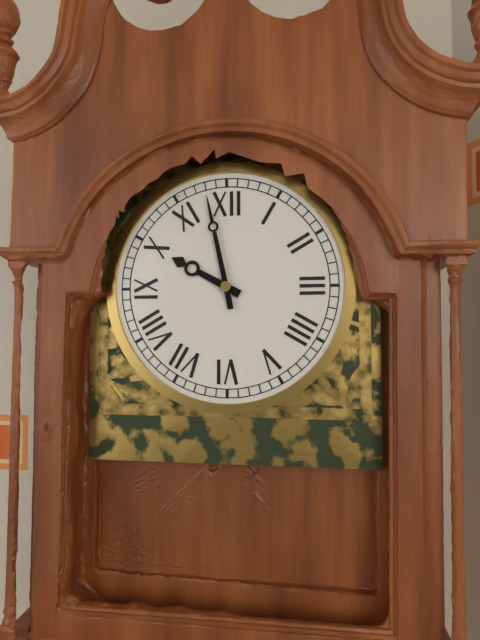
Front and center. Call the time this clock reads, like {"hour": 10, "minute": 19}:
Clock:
{"hour": 9, "minute": 58}
